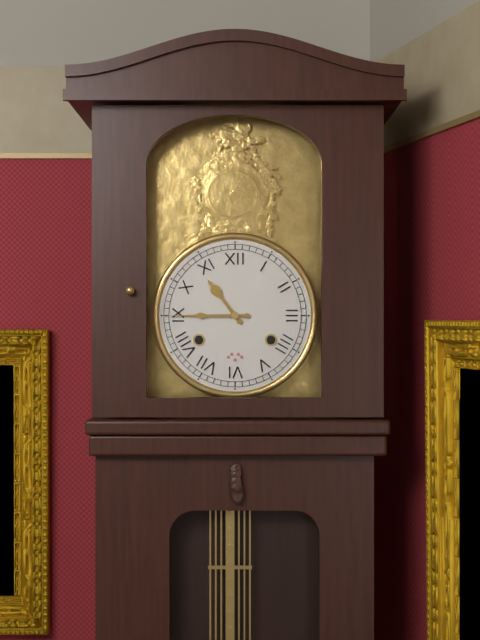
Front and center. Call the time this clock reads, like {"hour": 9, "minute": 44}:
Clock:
{"hour": 10, "minute": 45}
